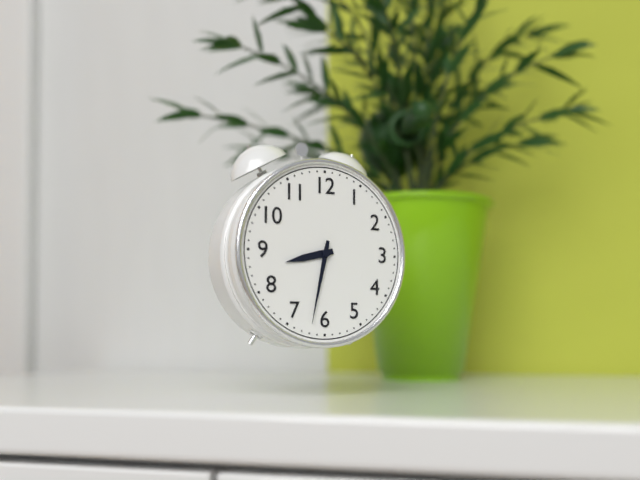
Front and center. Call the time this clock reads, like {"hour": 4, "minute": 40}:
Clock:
{"hour": 8, "minute": 32}
